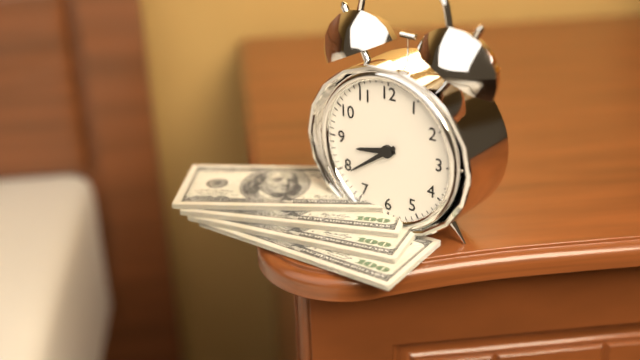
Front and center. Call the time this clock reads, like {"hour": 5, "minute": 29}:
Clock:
{"hour": 8, "minute": 39}
